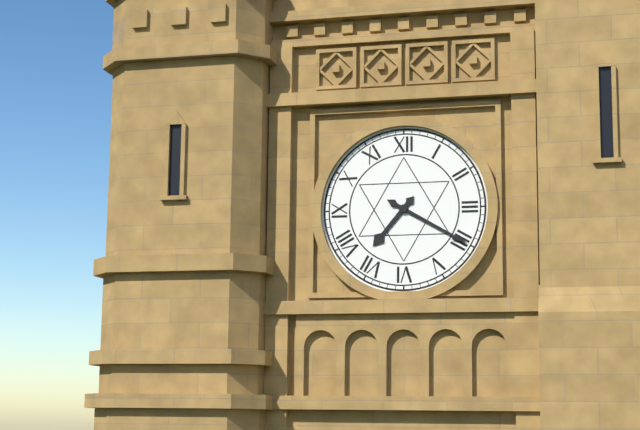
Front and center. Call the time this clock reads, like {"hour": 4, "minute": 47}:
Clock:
{"hour": 7, "minute": 20}
